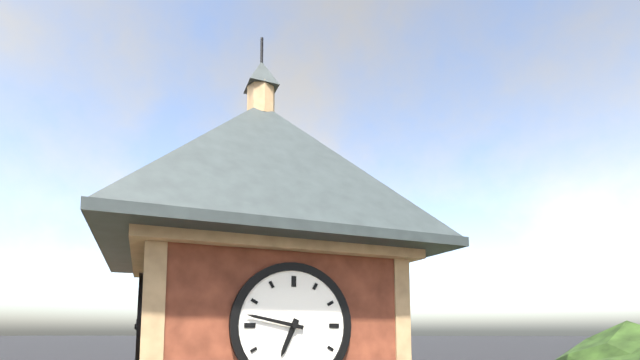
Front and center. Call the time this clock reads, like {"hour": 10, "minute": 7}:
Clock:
{"hour": 6, "minute": 47}
